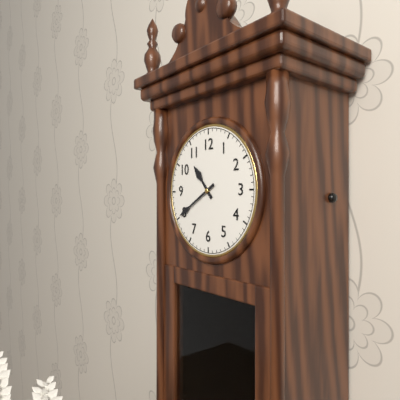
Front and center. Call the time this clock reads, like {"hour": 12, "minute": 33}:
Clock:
{"hour": 10, "minute": 40}
